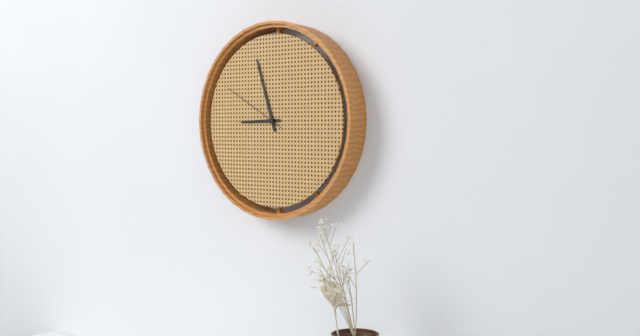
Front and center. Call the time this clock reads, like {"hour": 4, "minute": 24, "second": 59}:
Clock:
{"hour": 8, "minute": 57, "second": 50}
